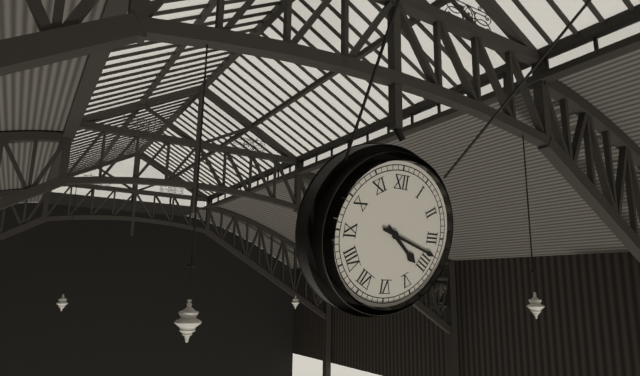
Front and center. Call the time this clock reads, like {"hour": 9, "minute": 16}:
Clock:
{"hour": 4, "minute": 18}
